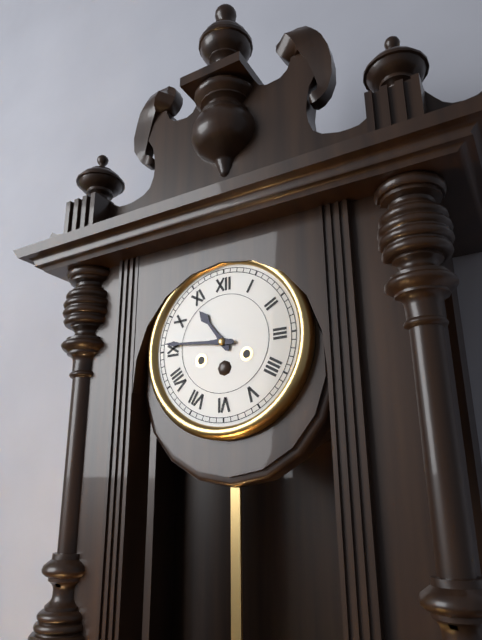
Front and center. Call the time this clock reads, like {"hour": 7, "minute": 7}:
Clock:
{"hour": 10, "minute": 46}
